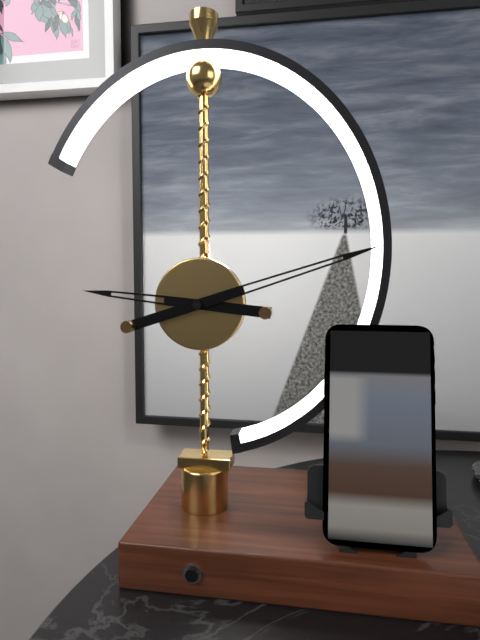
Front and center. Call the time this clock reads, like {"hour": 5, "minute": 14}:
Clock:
{"hour": 9, "minute": 12}
